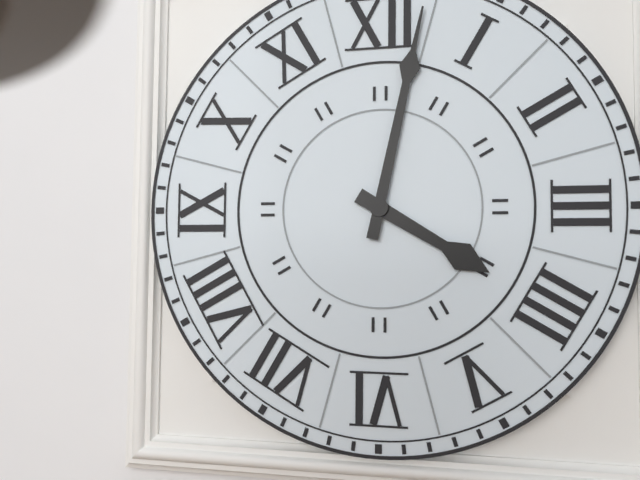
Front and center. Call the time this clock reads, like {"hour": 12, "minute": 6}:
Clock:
{"hour": 4, "minute": 2}
